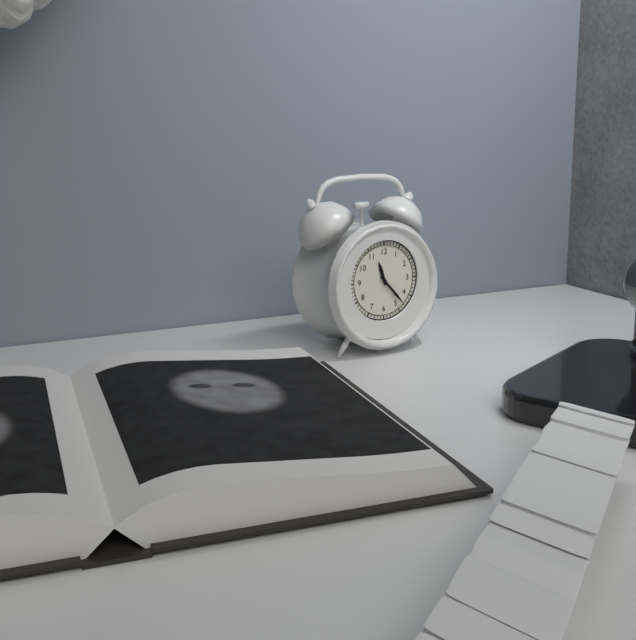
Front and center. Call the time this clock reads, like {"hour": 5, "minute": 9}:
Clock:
{"hour": 11, "minute": 23}
